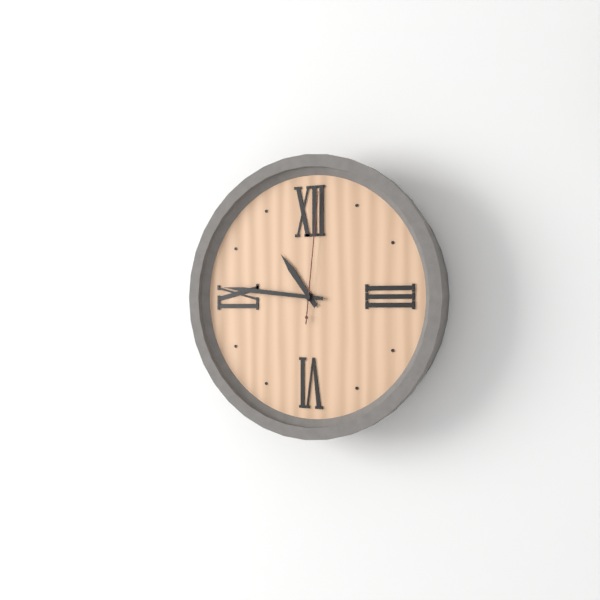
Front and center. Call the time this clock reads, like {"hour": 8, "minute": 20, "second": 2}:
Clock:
{"hour": 10, "minute": 46, "second": 1}
